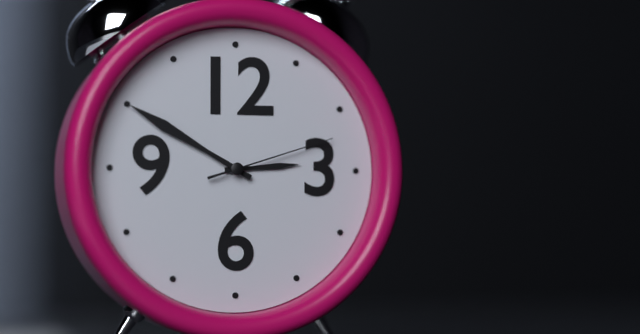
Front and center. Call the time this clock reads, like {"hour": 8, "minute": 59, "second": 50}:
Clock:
{"hour": 2, "minute": 50, "second": 12}
